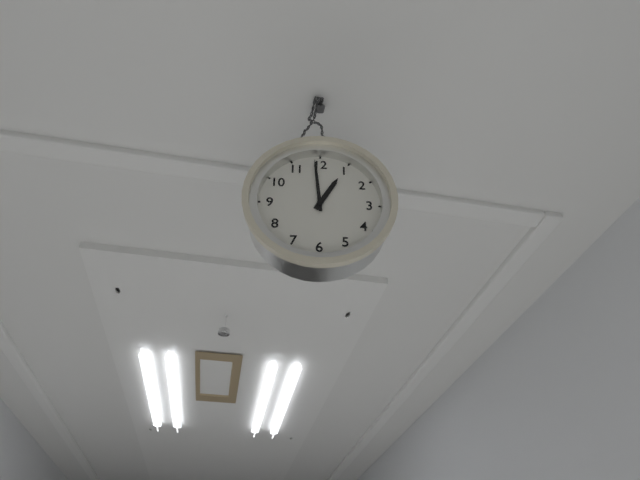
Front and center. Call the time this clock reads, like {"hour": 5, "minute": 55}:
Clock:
{"hour": 12, "minute": 59}
